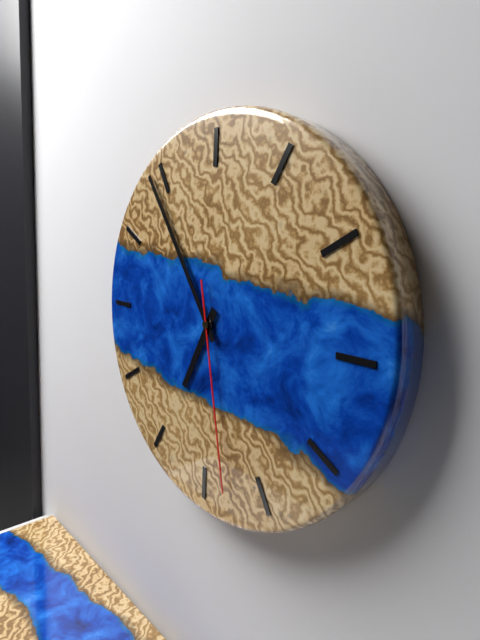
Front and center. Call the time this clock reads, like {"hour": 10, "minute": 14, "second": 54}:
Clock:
{"hour": 6, "minute": 54, "second": 28}
